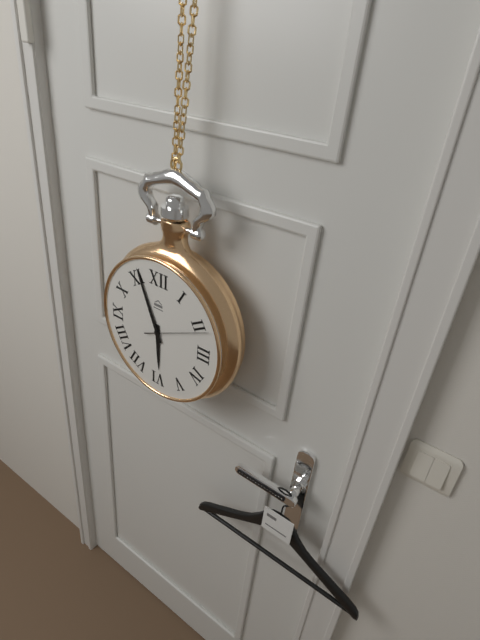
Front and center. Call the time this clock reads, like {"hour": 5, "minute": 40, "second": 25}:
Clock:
{"hour": 5, "minute": 56, "second": 11}
